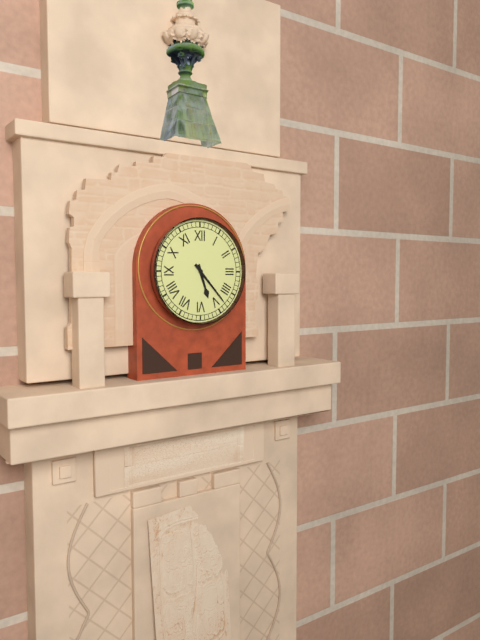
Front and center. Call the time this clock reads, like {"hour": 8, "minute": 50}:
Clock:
{"hour": 5, "minute": 23}
